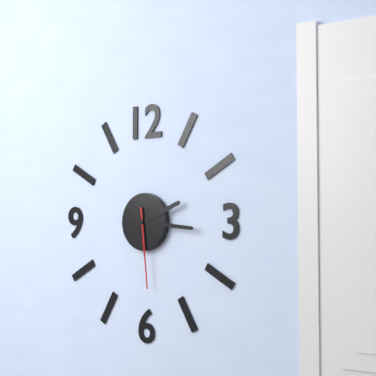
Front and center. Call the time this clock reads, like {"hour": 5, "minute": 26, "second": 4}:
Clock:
{"hour": 2, "minute": 16, "second": 29}
